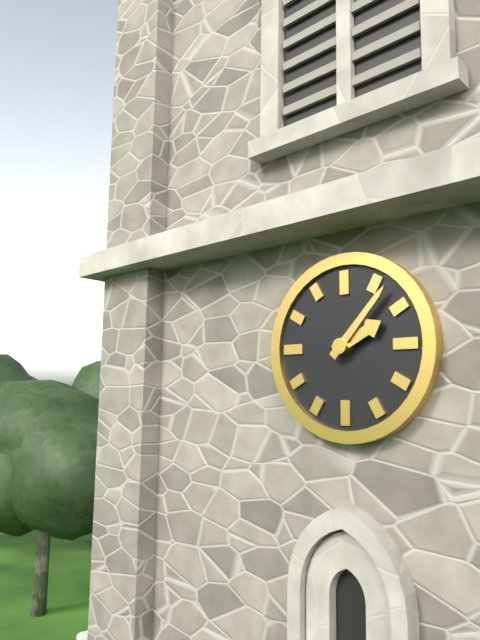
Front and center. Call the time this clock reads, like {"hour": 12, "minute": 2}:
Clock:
{"hour": 2, "minute": 7}
